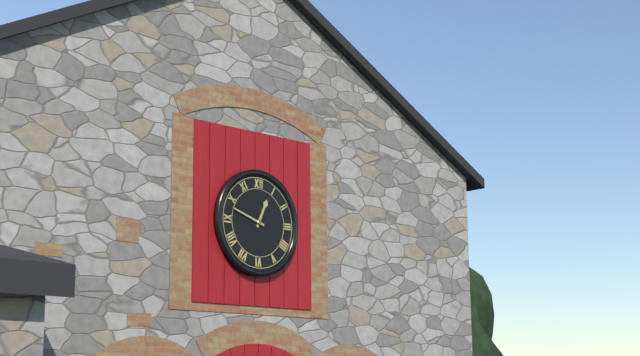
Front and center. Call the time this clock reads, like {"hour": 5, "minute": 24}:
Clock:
{"hour": 12, "minute": 48}
